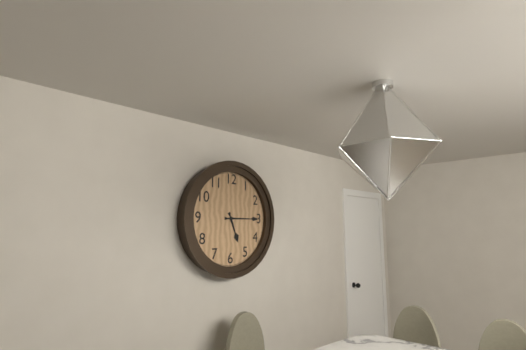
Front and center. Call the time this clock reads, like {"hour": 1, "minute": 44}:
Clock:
{"hour": 5, "minute": 15}
